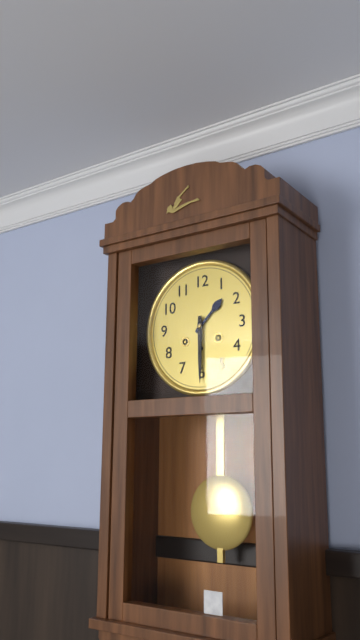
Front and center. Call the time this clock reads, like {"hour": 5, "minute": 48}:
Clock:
{"hour": 1, "minute": 30}
